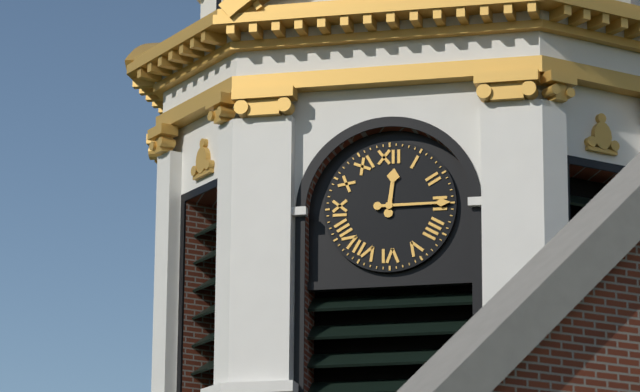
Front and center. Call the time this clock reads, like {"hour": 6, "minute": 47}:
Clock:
{"hour": 12, "minute": 15}
